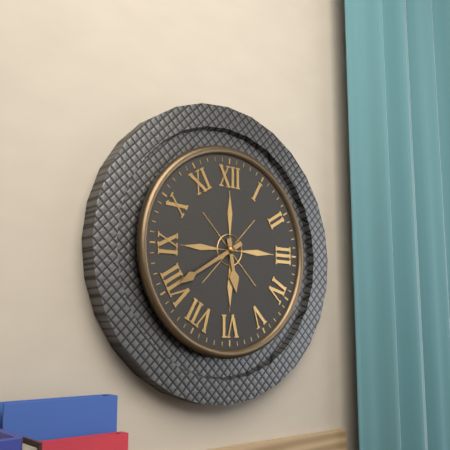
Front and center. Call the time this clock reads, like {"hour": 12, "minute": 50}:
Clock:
{"hour": 5, "minute": 40}
